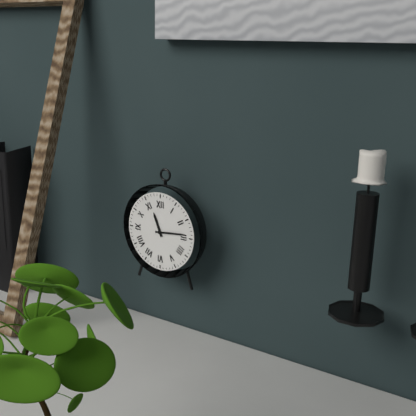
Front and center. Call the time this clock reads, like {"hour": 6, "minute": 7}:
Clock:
{"hour": 11, "minute": 14}
